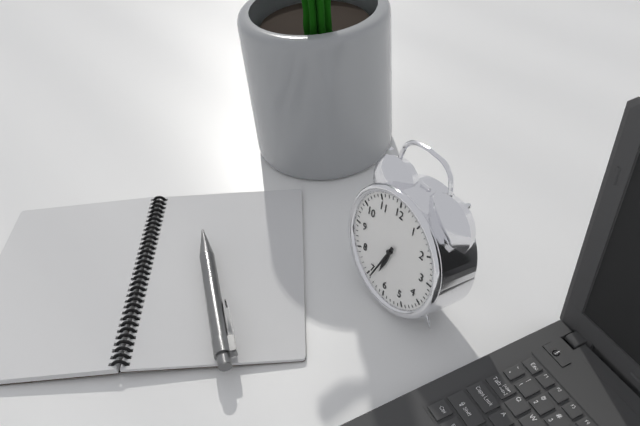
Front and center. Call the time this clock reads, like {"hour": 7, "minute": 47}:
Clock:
{"hour": 6, "minute": 34}
